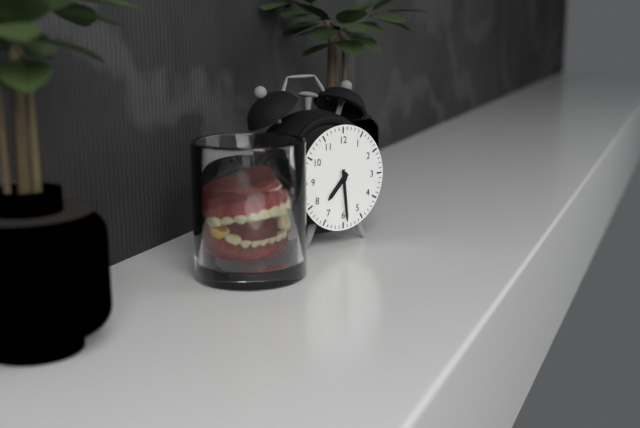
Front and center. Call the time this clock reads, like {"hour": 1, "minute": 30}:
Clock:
{"hour": 7, "minute": 29}
